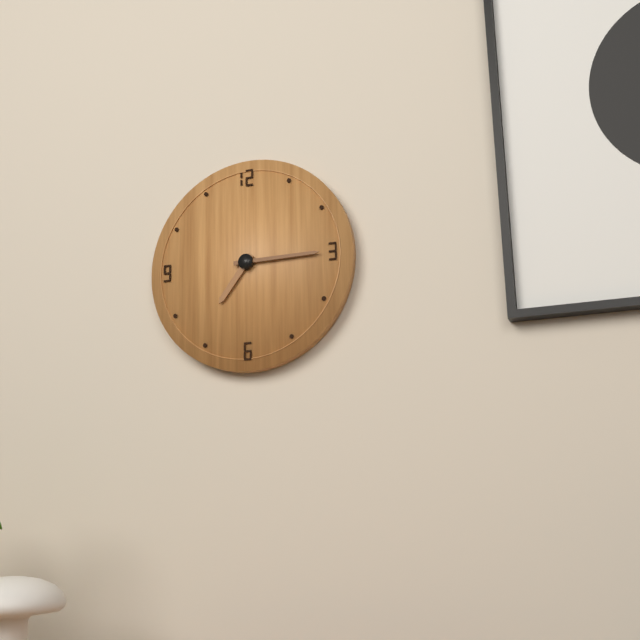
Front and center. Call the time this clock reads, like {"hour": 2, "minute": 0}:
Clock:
{"hour": 7, "minute": 15}
